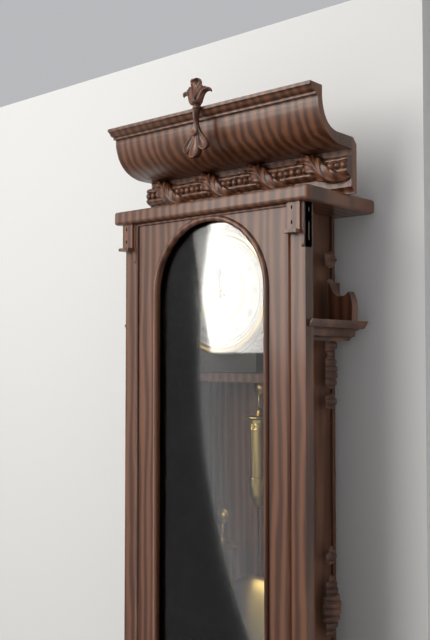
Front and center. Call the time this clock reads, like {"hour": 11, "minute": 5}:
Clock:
{"hour": 11, "minute": 49}
